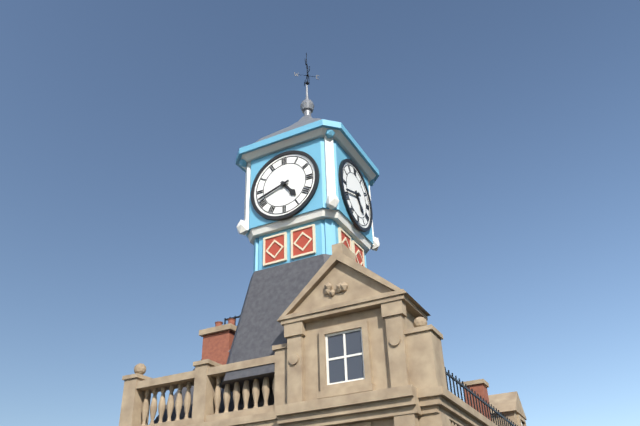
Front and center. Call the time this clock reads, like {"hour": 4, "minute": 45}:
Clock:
{"hour": 4, "minute": 42}
